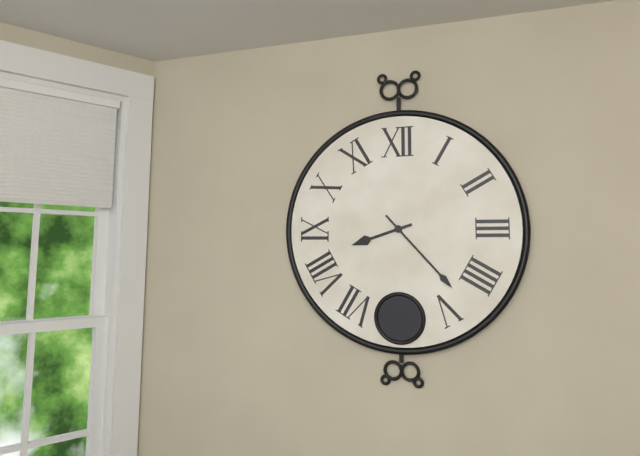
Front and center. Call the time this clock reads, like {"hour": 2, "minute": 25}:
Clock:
{"hour": 8, "minute": 23}
